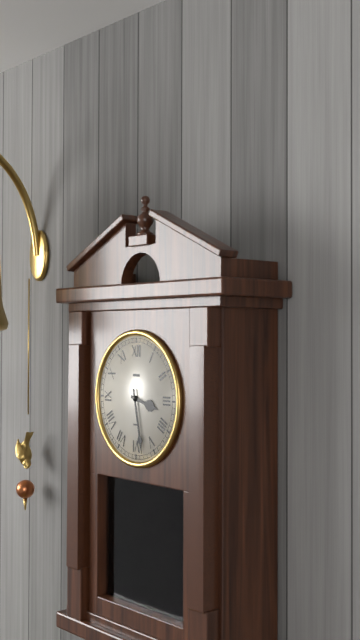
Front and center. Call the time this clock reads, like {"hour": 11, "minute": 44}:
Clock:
{"hour": 3, "minute": 28}
